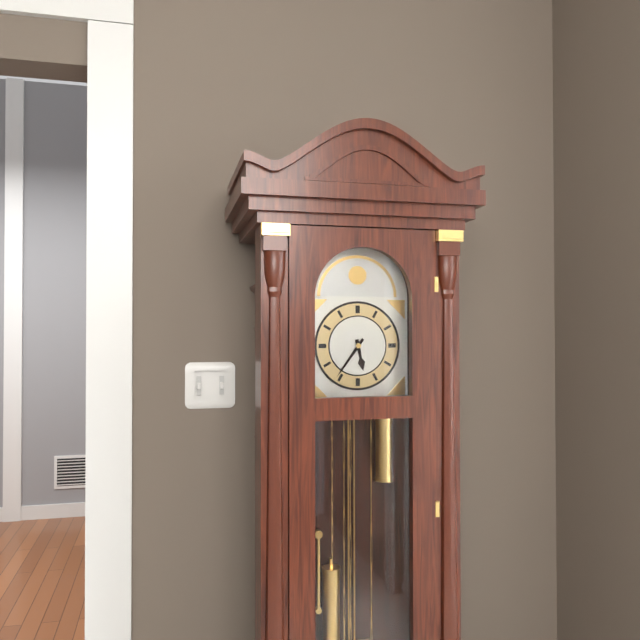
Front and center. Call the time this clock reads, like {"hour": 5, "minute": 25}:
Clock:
{"hour": 5, "minute": 36}
